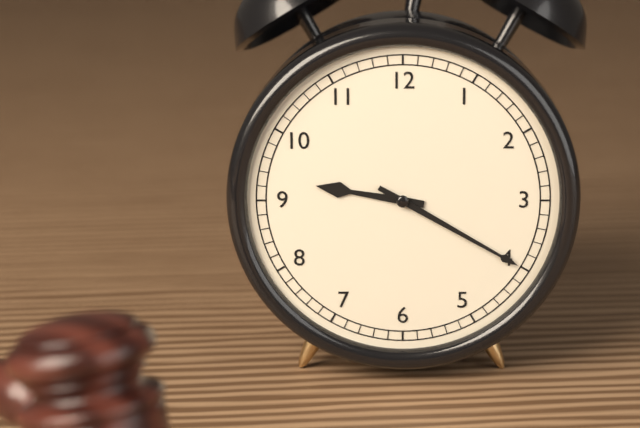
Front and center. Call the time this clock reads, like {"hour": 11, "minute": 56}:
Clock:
{"hour": 9, "minute": 20}
